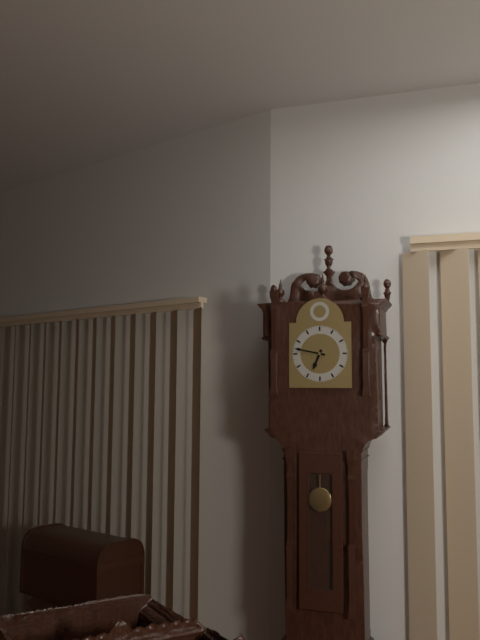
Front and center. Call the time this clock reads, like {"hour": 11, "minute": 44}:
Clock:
{"hour": 6, "minute": 47}
